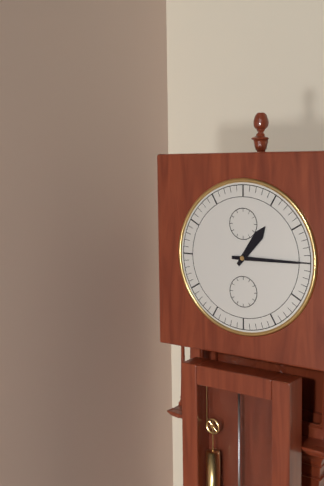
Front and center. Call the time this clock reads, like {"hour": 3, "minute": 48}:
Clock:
{"hour": 1, "minute": 15}
